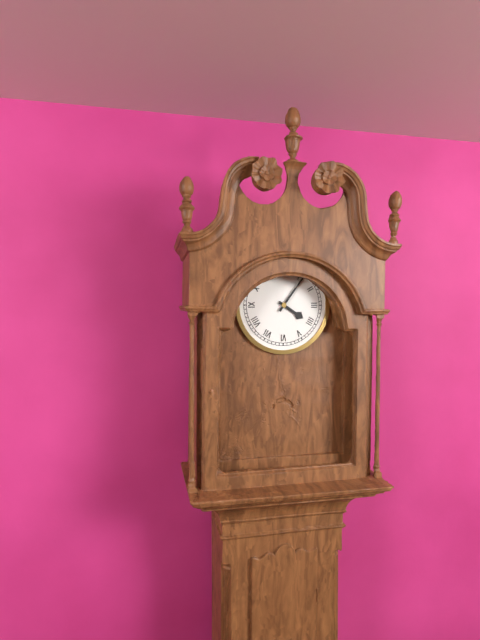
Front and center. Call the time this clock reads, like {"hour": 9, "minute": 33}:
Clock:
{"hour": 4, "minute": 6}
